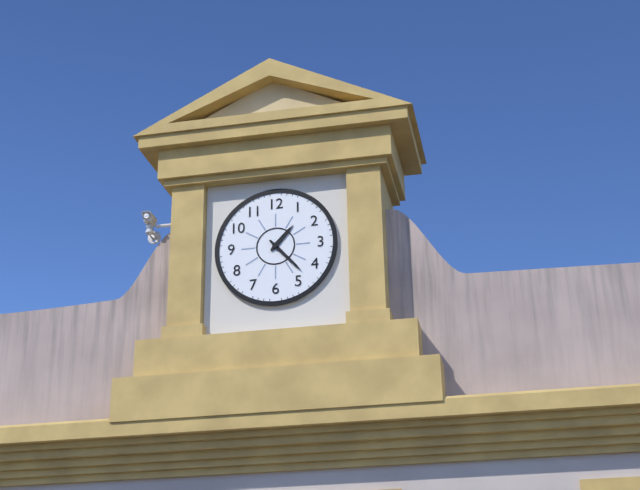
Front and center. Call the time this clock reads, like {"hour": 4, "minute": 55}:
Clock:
{"hour": 1, "minute": 23}
